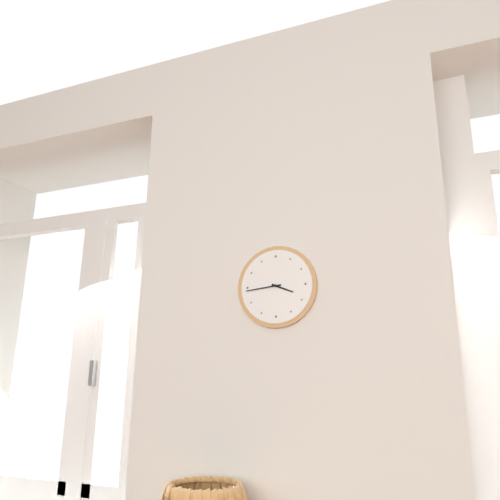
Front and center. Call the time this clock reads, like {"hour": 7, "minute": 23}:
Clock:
{"hour": 3, "minute": 44}
